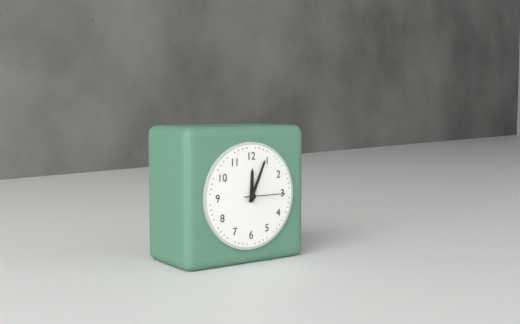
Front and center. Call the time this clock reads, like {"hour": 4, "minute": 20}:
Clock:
{"hour": 12, "minute": 4}
